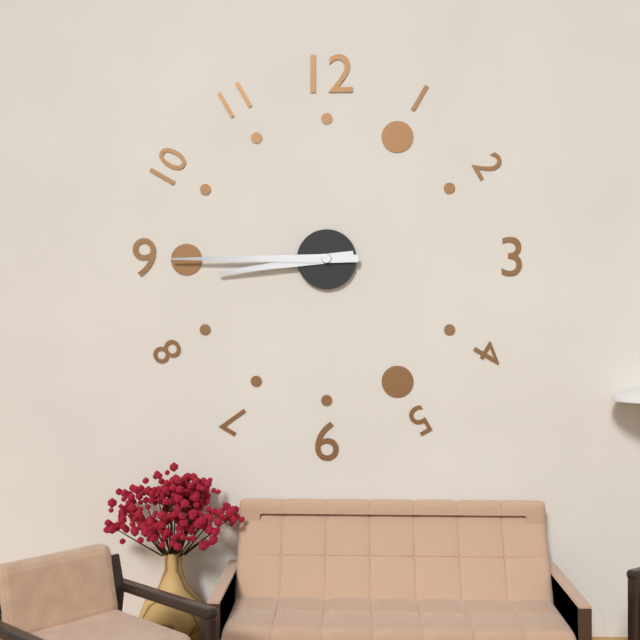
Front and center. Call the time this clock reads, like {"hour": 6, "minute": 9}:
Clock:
{"hour": 8, "minute": 45}
